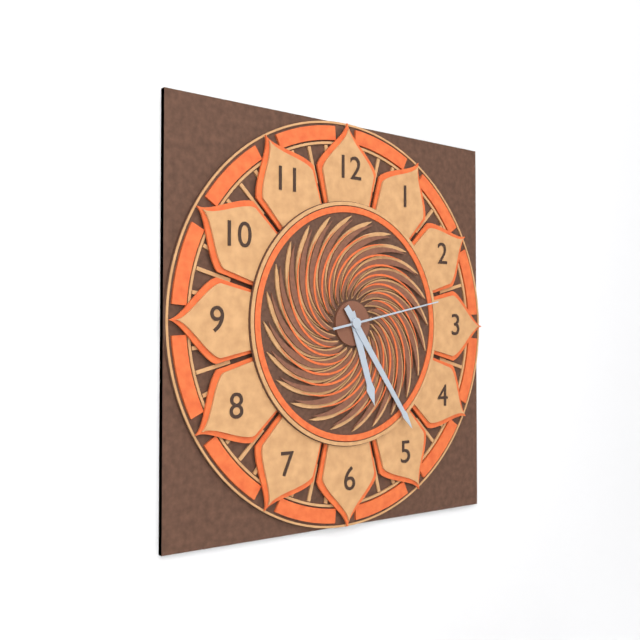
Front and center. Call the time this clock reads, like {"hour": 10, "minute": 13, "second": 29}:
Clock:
{"hour": 5, "minute": 24, "second": 13}
